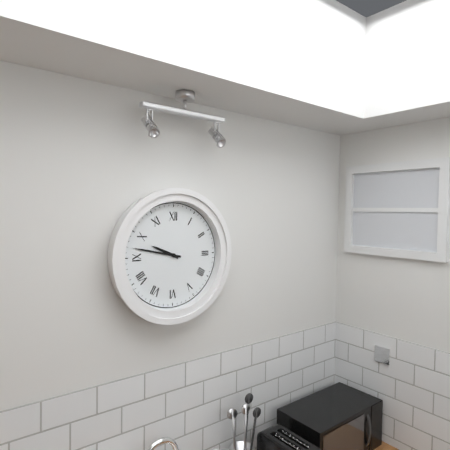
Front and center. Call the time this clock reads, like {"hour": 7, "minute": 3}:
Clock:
{"hour": 9, "minute": 47}
